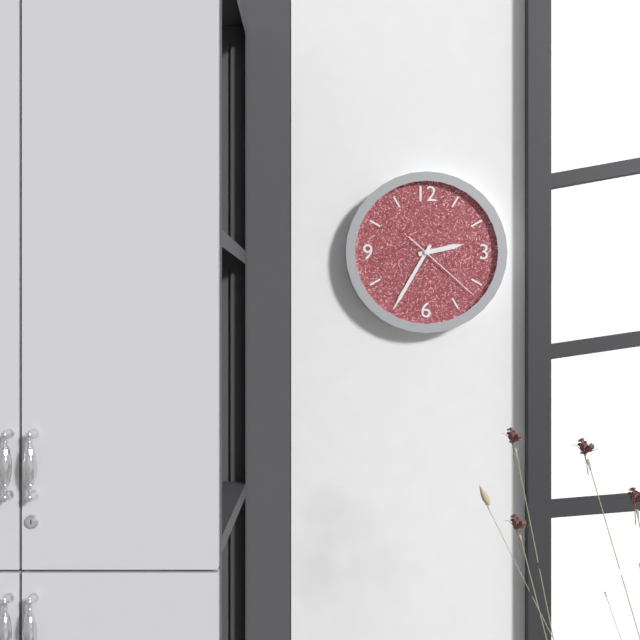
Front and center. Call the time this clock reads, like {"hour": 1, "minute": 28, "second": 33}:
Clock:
{"hour": 2, "minute": 35, "second": 22}
